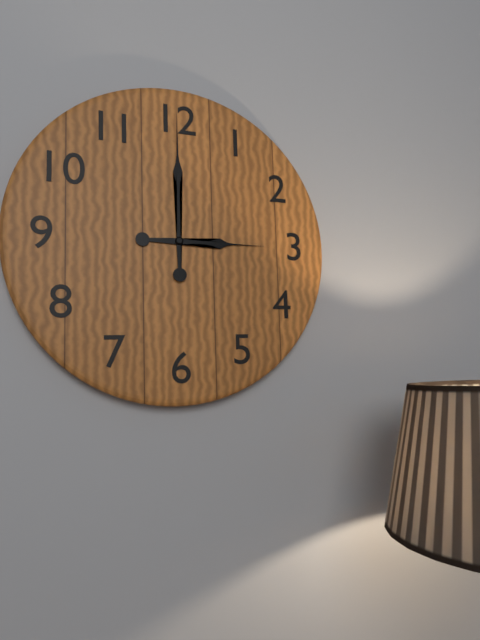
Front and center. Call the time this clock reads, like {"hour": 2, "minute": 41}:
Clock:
{"hour": 3, "minute": 0}
